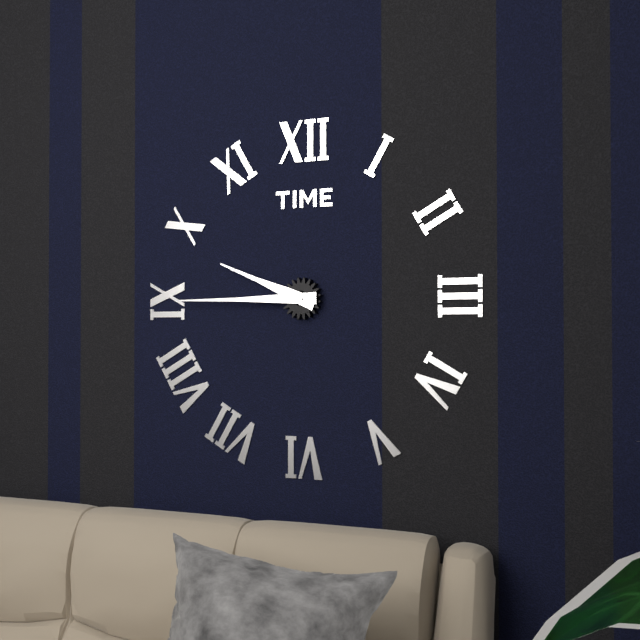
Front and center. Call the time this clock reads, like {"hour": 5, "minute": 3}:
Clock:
{"hour": 9, "minute": 45}
